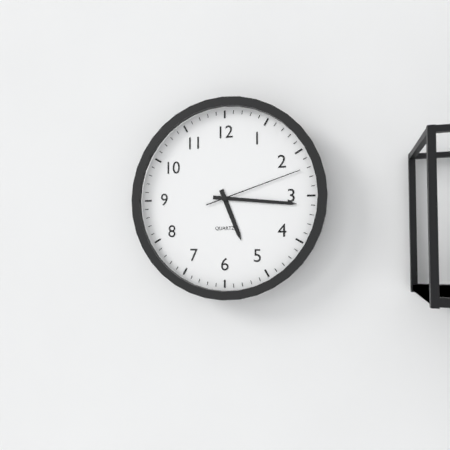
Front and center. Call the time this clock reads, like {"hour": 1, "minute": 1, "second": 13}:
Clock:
{"hour": 5, "minute": 16, "second": 12}
